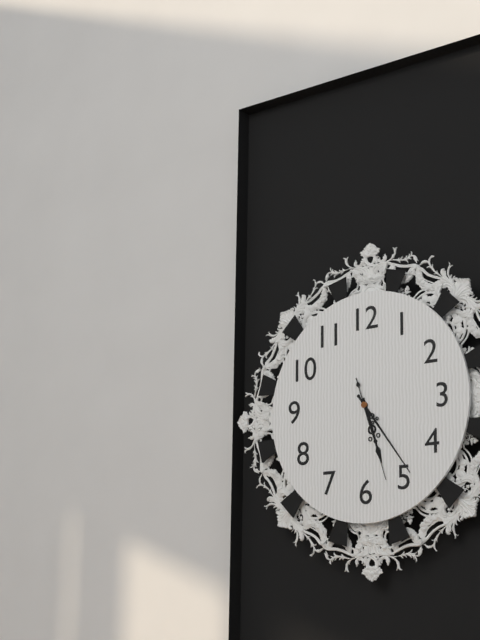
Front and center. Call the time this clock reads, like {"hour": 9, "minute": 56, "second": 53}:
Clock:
{"hour": 5, "minute": 24, "second": 27}
